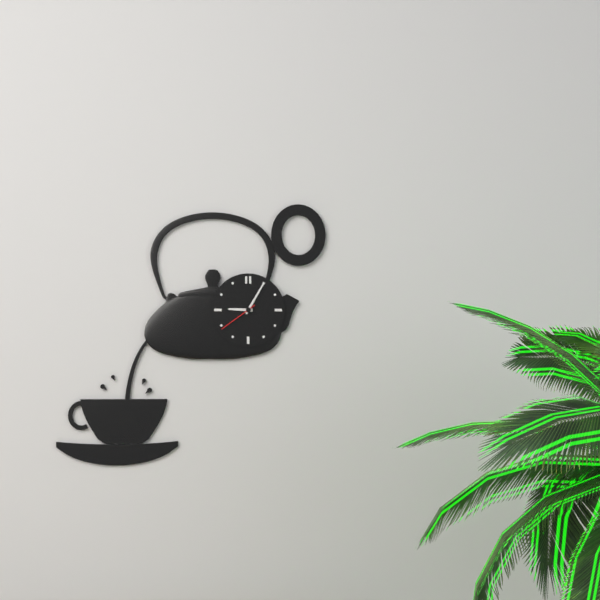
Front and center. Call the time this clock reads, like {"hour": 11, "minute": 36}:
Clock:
{"hour": 9, "minute": 5}
